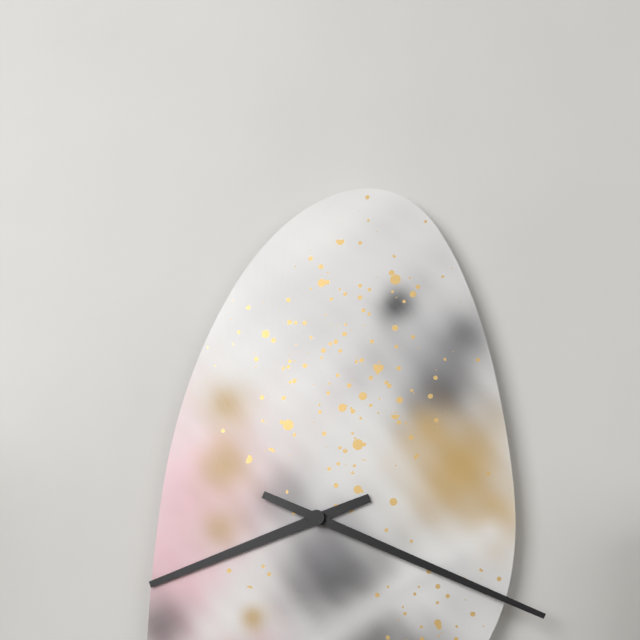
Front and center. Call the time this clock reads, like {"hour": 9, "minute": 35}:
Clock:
{"hour": 8, "minute": 19}
